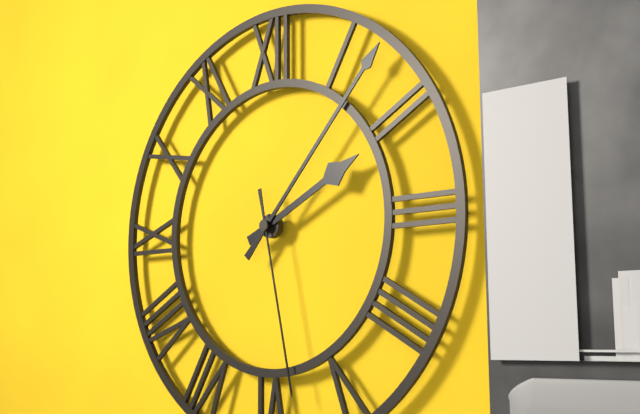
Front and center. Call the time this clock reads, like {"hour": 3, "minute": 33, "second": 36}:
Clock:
{"hour": 2, "minute": 7, "second": 28}
